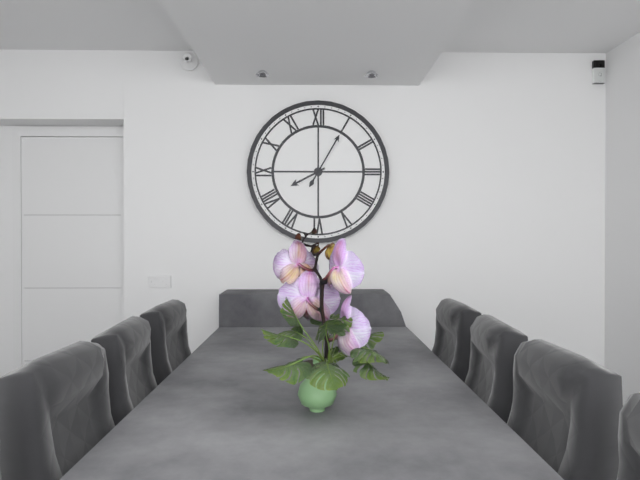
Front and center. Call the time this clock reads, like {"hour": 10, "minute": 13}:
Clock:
{"hour": 8, "minute": 5}
